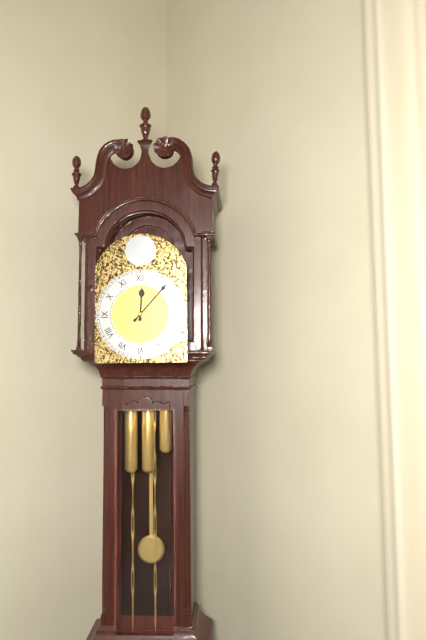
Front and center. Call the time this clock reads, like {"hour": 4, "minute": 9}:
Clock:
{"hour": 12, "minute": 7}
